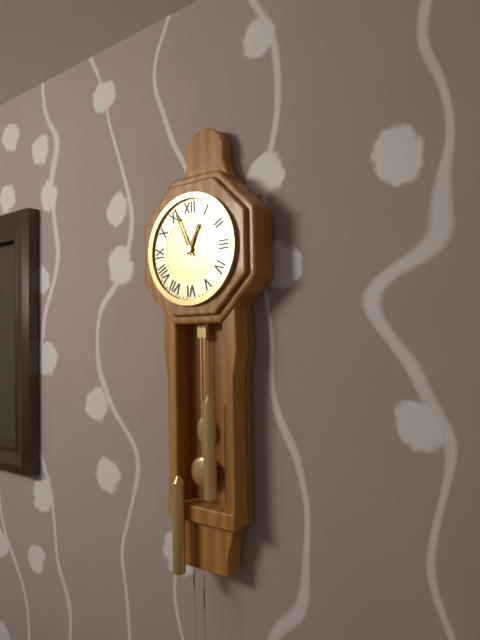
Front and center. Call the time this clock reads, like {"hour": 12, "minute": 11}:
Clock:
{"hour": 12, "minute": 56}
